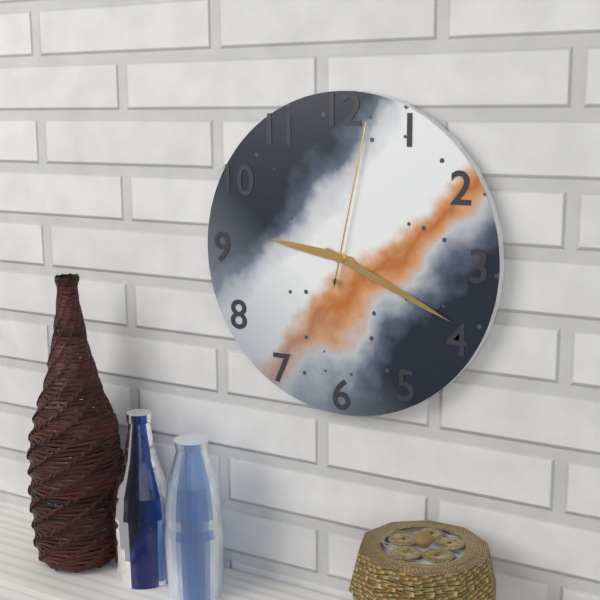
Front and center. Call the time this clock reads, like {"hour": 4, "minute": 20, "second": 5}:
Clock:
{"hour": 9, "minute": 19, "second": 2}
